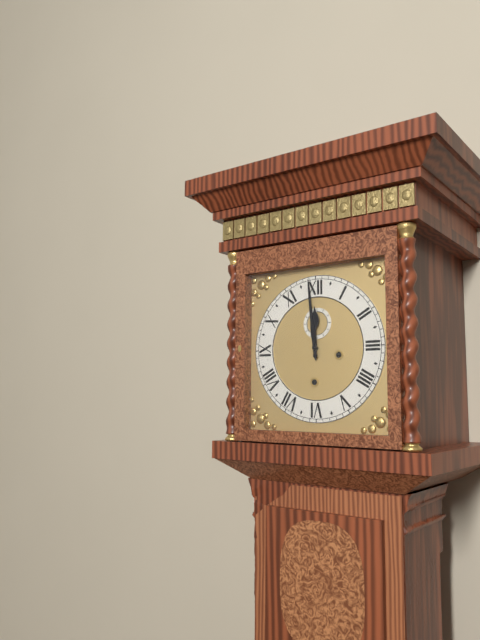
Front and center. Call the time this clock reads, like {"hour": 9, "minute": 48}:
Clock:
{"hour": 11, "minute": 59}
